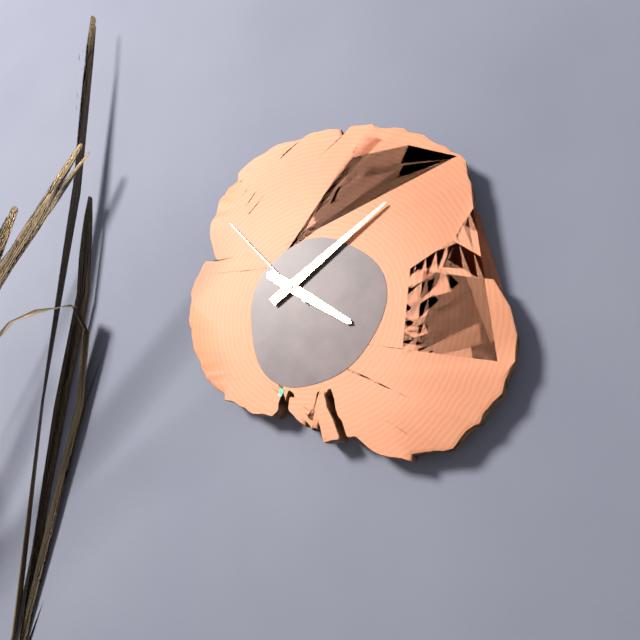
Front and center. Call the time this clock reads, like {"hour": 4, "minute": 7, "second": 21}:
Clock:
{"hour": 4, "minute": 9, "second": 53}
